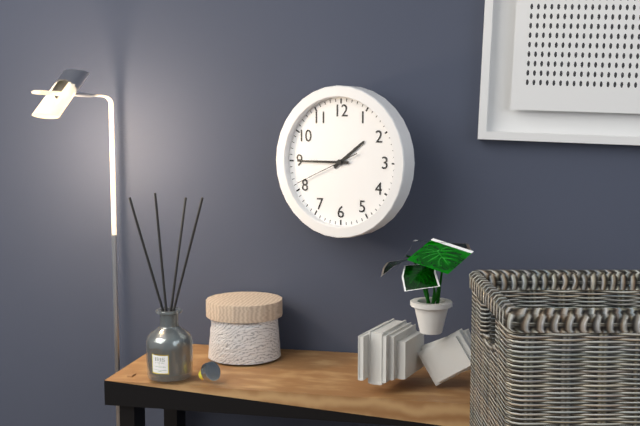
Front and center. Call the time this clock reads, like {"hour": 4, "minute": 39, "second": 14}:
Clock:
{"hour": 1, "minute": 45, "second": 41}
